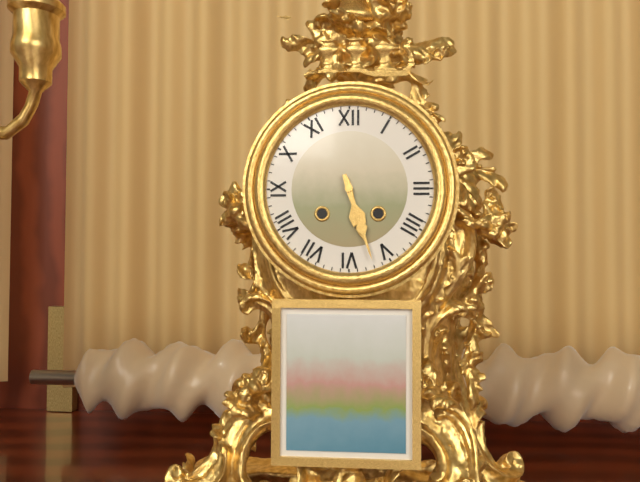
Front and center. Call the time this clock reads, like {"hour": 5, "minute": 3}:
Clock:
{"hour": 5, "minute": 27}
